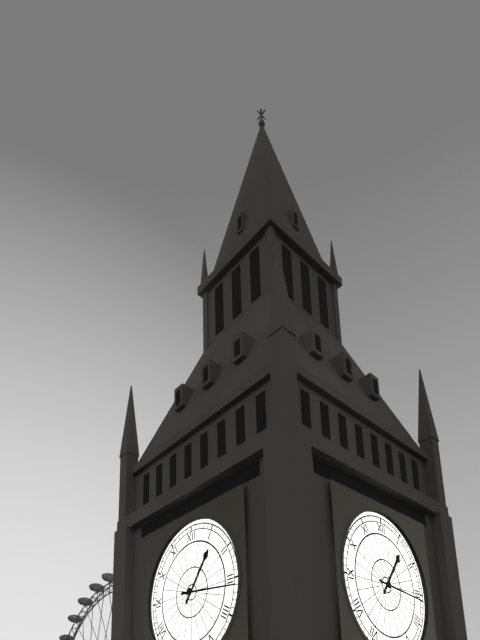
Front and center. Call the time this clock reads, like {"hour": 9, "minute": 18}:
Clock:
{"hour": 1, "minute": 16}
